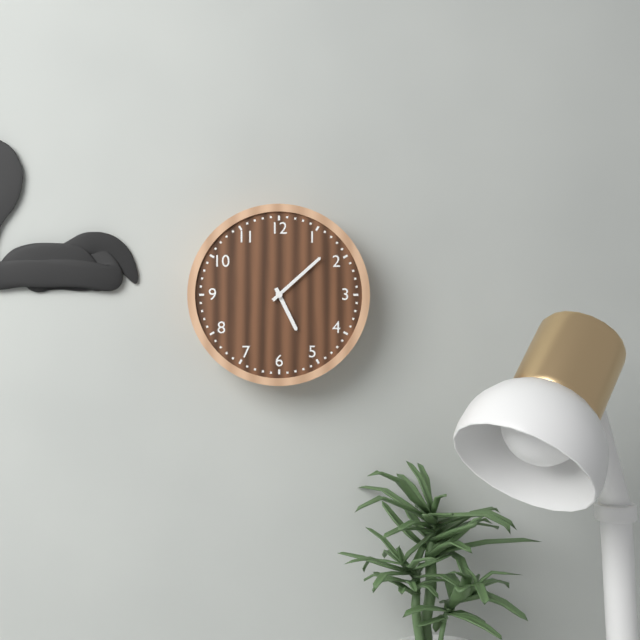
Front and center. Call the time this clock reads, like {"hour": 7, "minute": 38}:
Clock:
{"hour": 5, "minute": 8}
